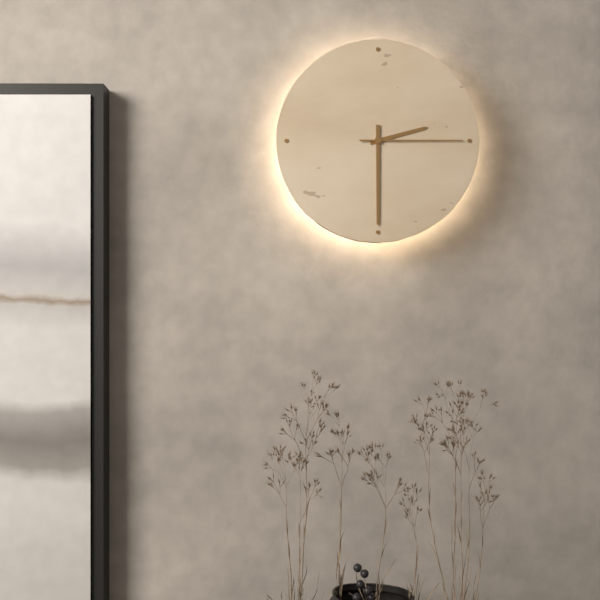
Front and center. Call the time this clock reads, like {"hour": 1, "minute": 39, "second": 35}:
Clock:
{"hour": 2, "minute": 30, "second": 15}
